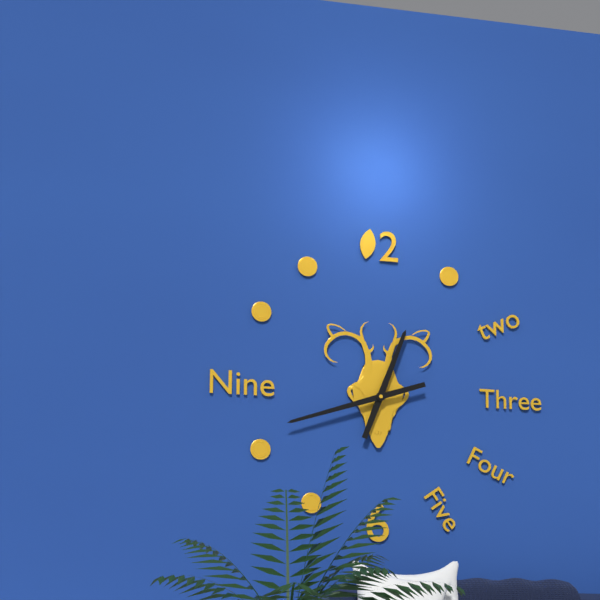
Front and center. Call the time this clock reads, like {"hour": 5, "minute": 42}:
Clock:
{"hour": 12, "minute": 42}
